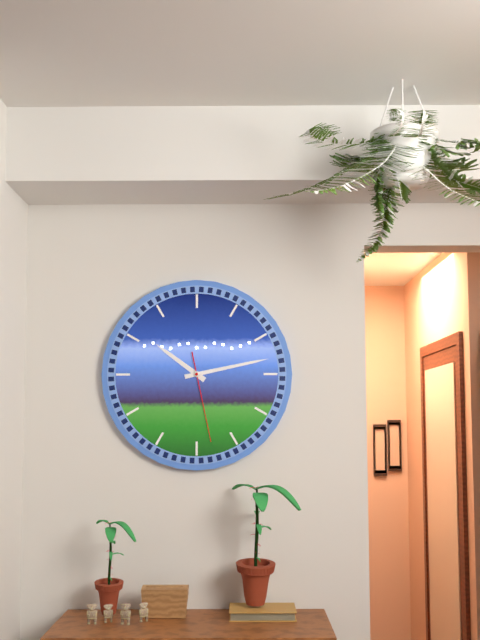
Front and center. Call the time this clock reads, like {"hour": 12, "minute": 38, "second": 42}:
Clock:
{"hour": 10, "minute": 13, "second": 28}
